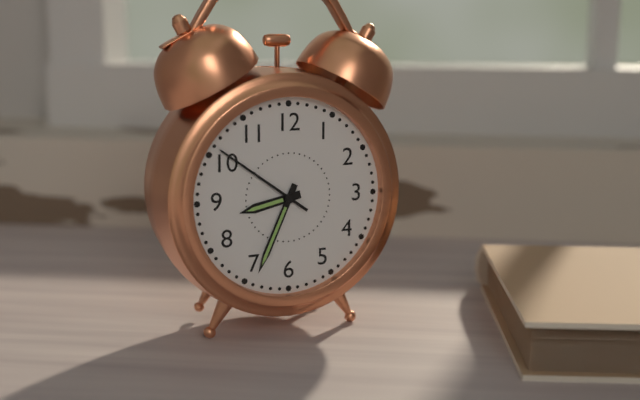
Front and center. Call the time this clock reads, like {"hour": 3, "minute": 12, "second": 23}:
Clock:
{"hour": 8, "minute": 34, "second": 51}
